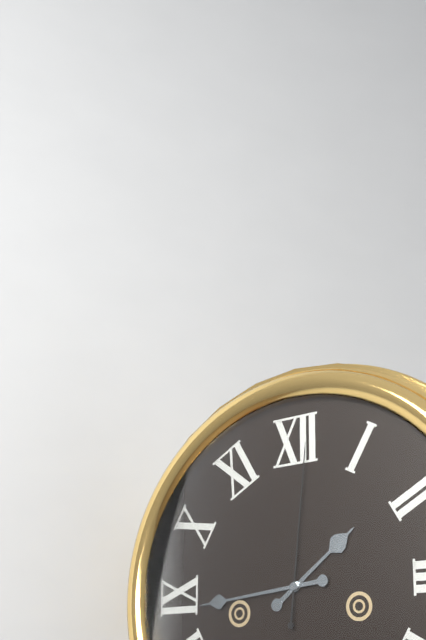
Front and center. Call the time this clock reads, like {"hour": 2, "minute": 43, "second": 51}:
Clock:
{"hour": 1, "minute": 44, "second": 1}
